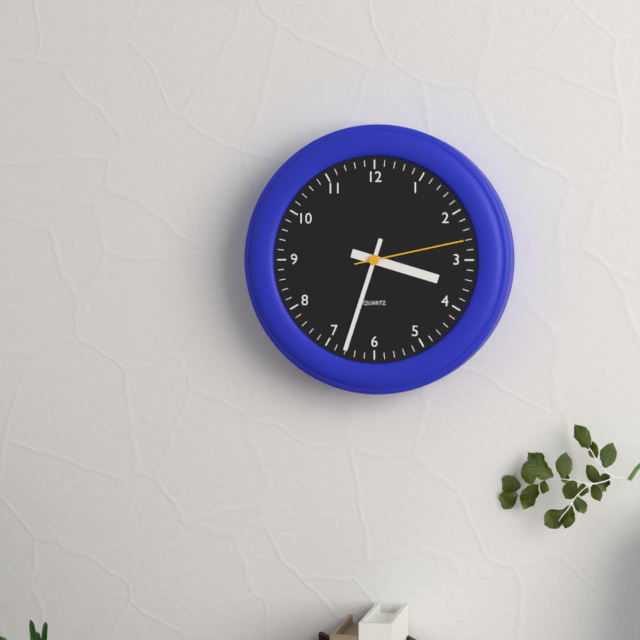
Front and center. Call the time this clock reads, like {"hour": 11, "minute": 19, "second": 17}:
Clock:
{"hour": 3, "minute": 33, "second": 13}
